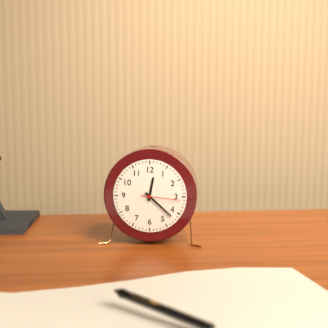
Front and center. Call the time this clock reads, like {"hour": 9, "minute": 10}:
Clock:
{"hour": 12, "minute": 22}
